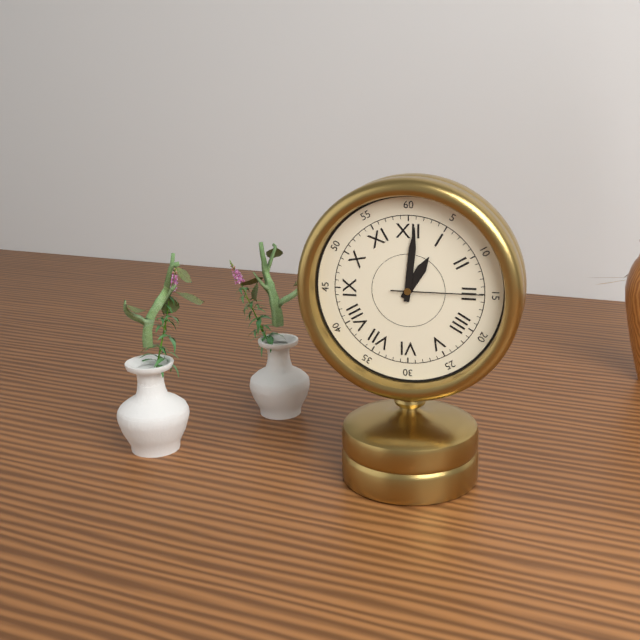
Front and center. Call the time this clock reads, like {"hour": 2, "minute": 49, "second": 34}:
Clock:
{"hour": 1, "minute": 1, "second": 15}
